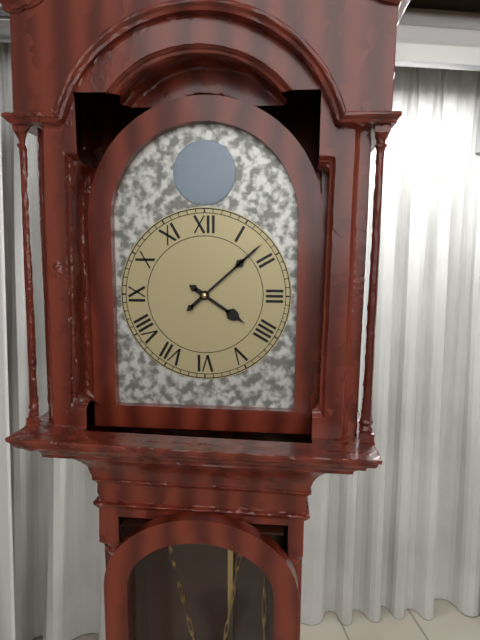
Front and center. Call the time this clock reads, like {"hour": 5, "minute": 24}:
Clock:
{"hour": 4, "minute": 8}
